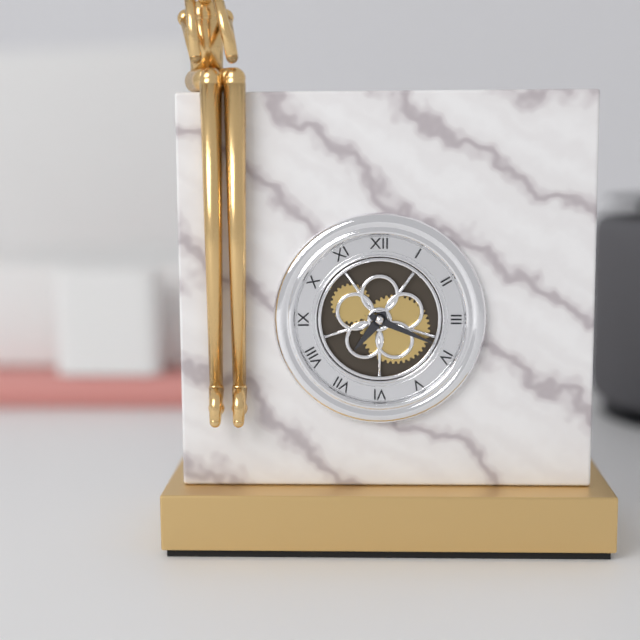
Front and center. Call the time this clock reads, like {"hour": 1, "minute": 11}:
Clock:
{"hour": 7, "minute": 19}
